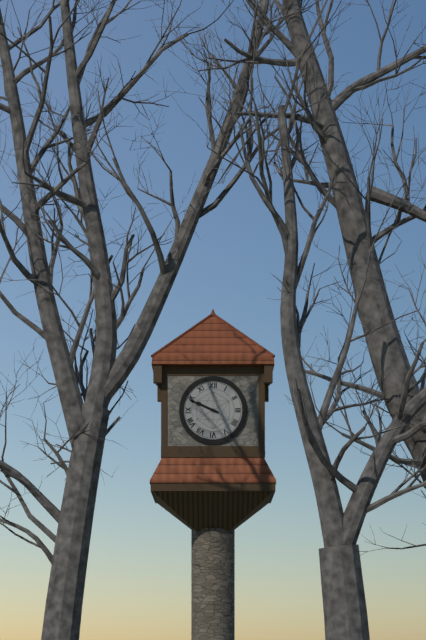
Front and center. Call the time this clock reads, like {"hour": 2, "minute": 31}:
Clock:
{"hour": 9, "minute": 49}
